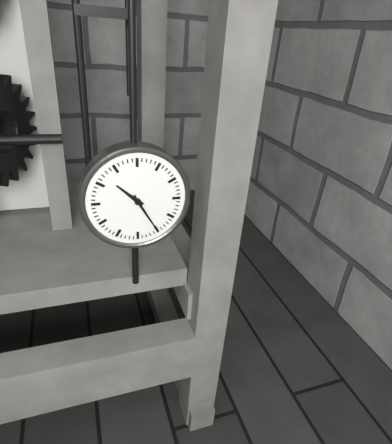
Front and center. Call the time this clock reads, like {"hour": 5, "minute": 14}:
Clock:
{"hour": 10, "minute": 25}
